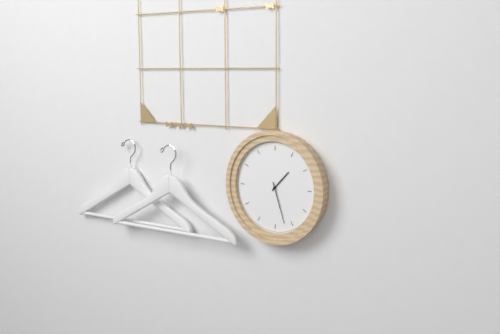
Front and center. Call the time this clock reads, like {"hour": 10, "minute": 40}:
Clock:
{"hour": 1, "minute": 27}
